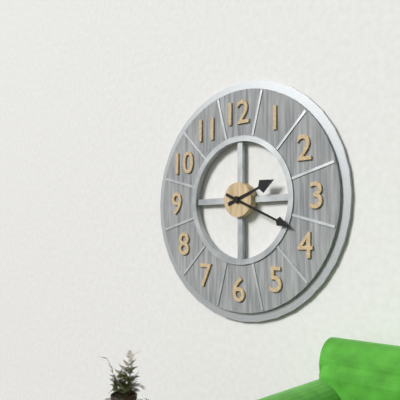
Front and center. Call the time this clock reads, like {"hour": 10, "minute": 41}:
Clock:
{"hour": 2, "minute": 19}
